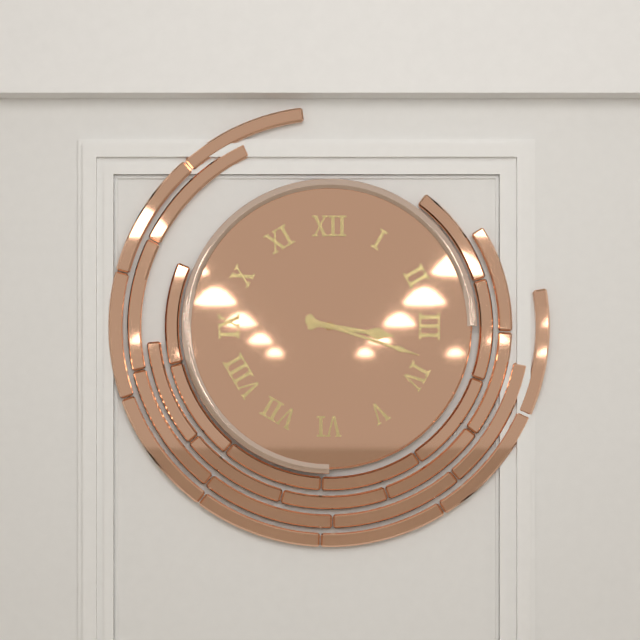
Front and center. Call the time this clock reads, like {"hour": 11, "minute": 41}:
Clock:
{"hour": 3, "minute": 18}
